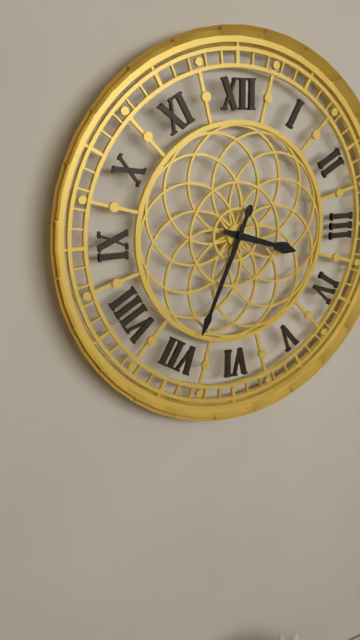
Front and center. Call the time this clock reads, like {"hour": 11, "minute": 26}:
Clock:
{"hour": 3, "minute": 34}
